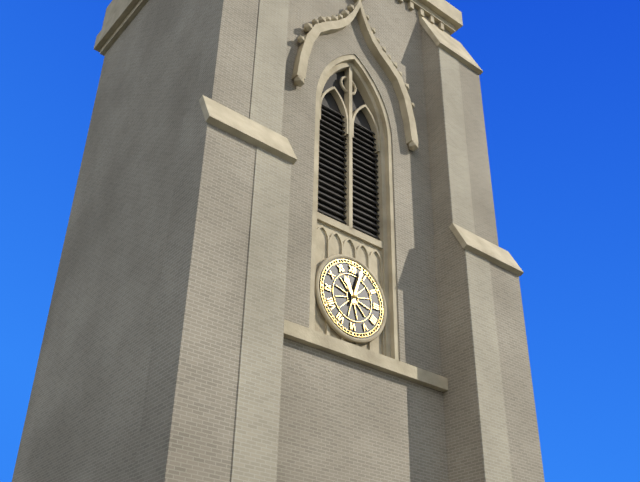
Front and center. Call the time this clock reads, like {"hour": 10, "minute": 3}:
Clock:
{"hour": 11, "minute": 3}
